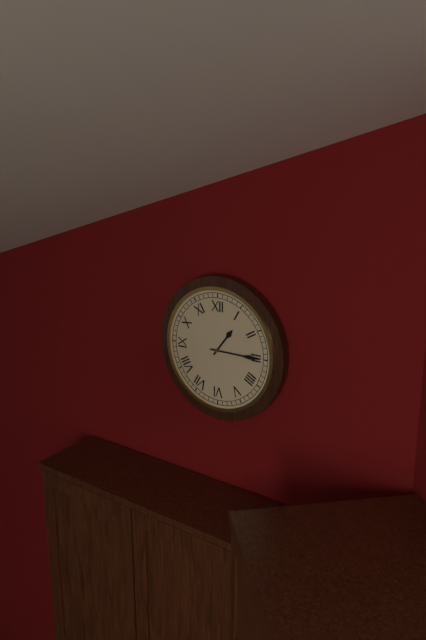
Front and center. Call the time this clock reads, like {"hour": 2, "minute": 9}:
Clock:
{"hour": 1, "minute": 15}
